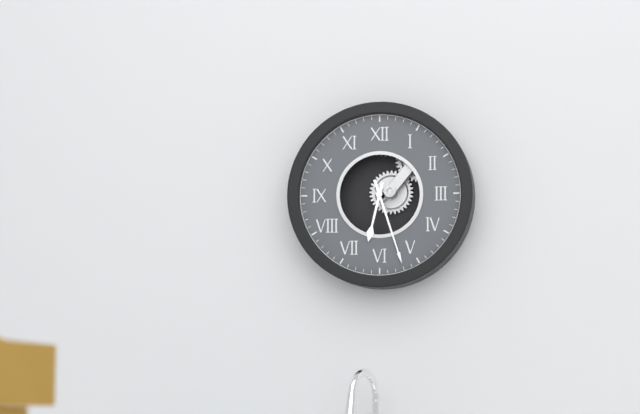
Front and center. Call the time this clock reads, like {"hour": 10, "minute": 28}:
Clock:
{"hour": 6, "minute": 27}
